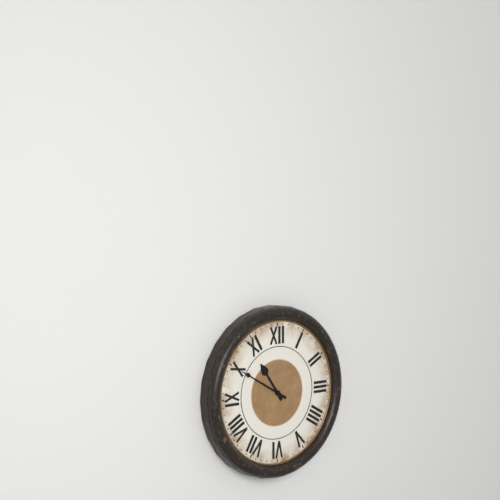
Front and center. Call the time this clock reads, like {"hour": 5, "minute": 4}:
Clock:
{"hour": 10, "minute": 50}
